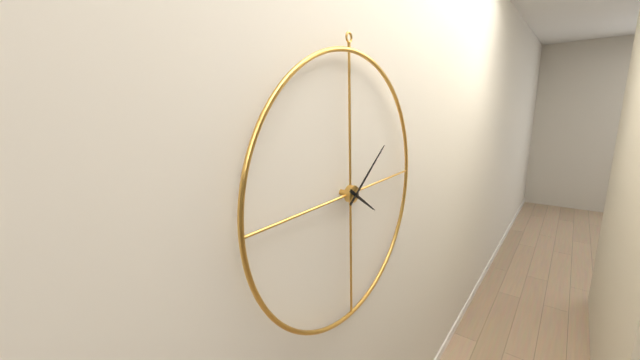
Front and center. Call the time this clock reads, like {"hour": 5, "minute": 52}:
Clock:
{"hour": 4, "minute": 9}
